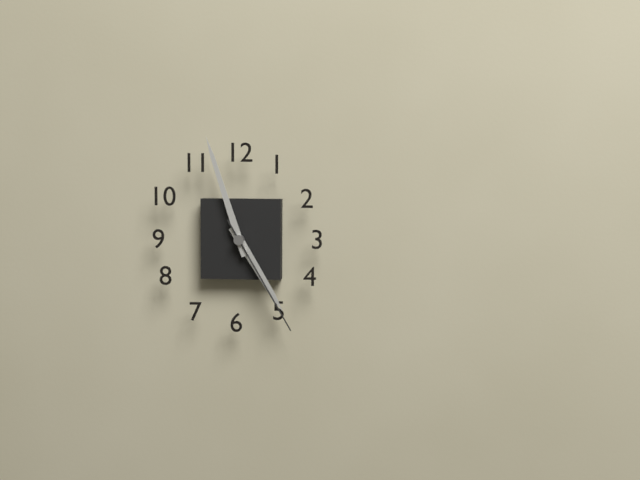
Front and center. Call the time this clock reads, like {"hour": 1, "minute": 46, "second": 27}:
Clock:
{"hour": 4, "minute": 57, "second": 25}
